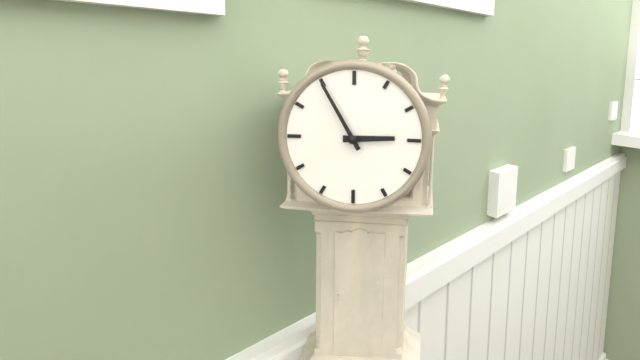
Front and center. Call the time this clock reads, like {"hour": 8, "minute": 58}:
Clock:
{"hour": 2, "minute": 55}
